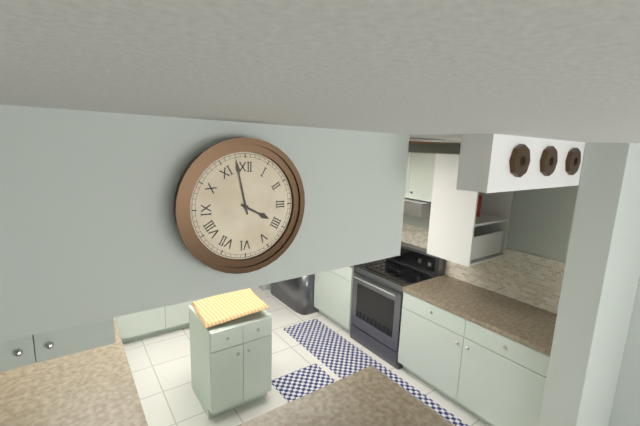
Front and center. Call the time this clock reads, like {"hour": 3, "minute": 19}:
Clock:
{"hour": 3, "minute": 58}
